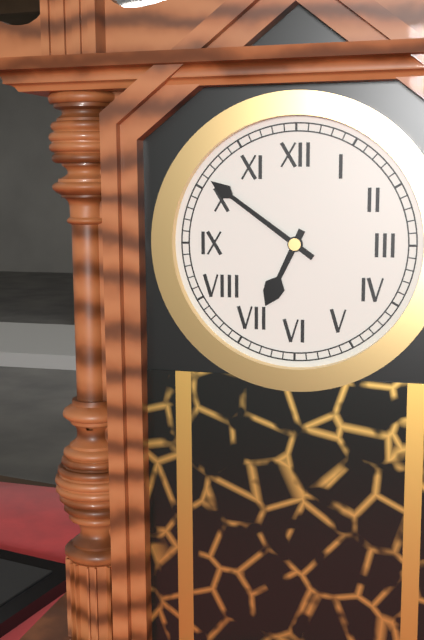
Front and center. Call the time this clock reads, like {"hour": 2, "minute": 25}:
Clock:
{"hour": 6, "minute": 51}
